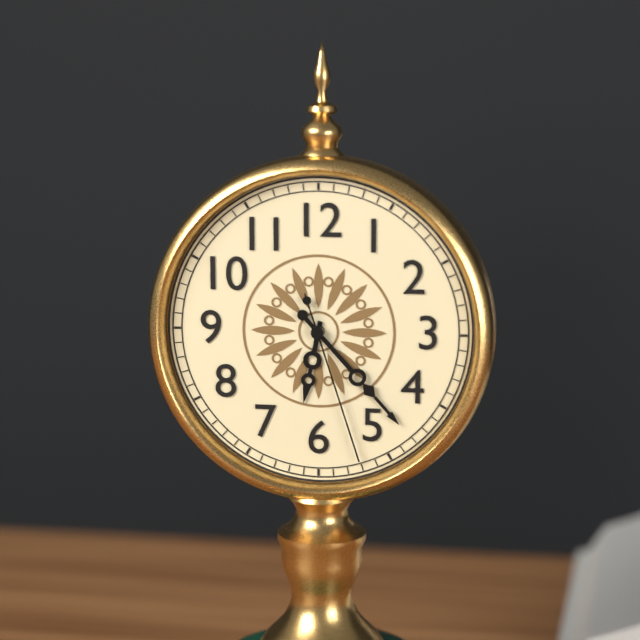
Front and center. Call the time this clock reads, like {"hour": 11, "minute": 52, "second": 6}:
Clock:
{"hour": 6, "minute": 23, "second": 27}
